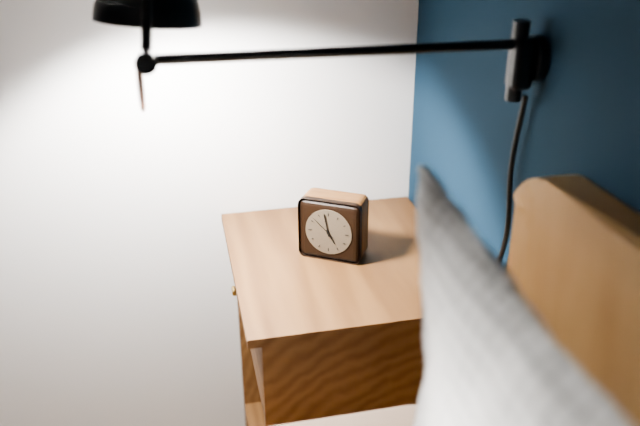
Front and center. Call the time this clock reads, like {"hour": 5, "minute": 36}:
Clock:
{"hour": 4, "minute": 58}
